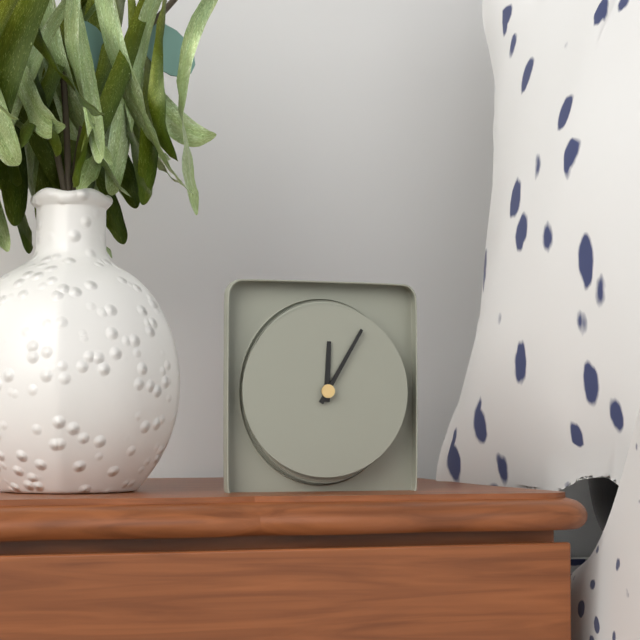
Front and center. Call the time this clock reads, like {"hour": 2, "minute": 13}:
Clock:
{"hour": 12, "minute": 5}
